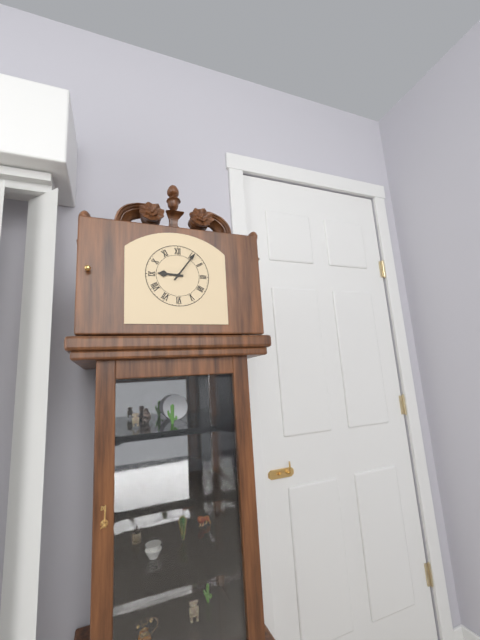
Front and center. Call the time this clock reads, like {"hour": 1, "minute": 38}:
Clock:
{"hour": 9, "minute": 6}
